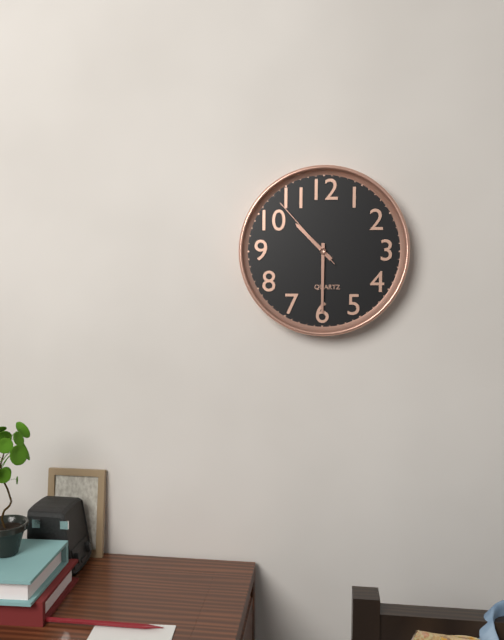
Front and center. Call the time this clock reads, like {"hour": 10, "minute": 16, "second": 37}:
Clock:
{"hour": 10, "minute": 30, "second": 53}
